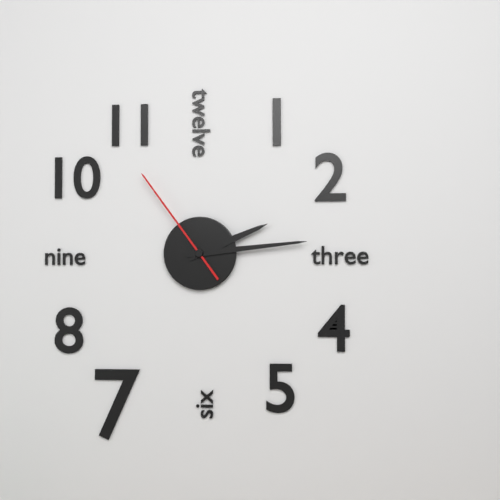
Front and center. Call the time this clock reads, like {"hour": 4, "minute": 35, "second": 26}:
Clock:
{"hour": 2, "minute": 14, "second": 54}
